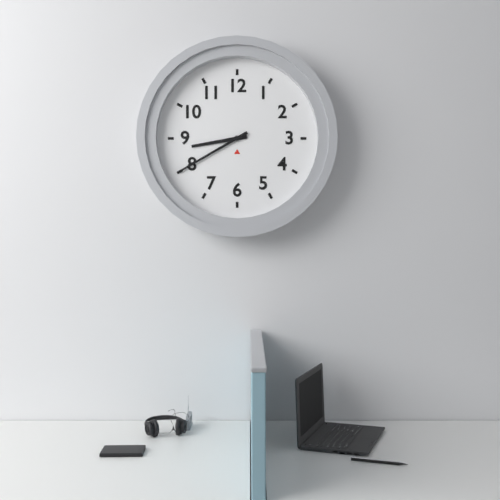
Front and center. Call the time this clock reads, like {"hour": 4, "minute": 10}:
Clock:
{"hour": 8, "minute": 40}
